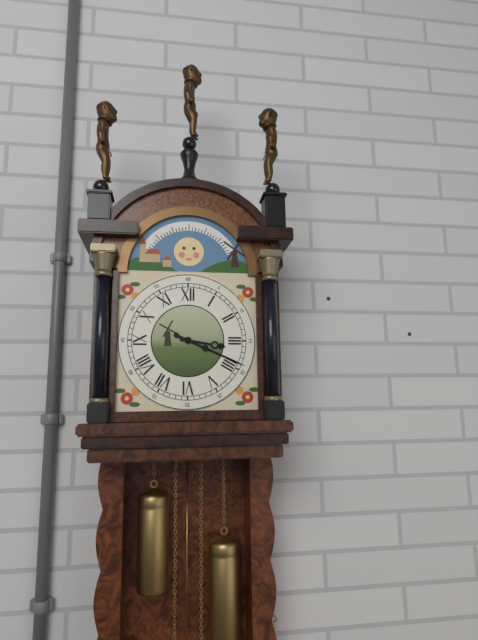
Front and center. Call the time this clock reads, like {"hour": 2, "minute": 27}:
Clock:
{"hour": 3, "minute": 19}
